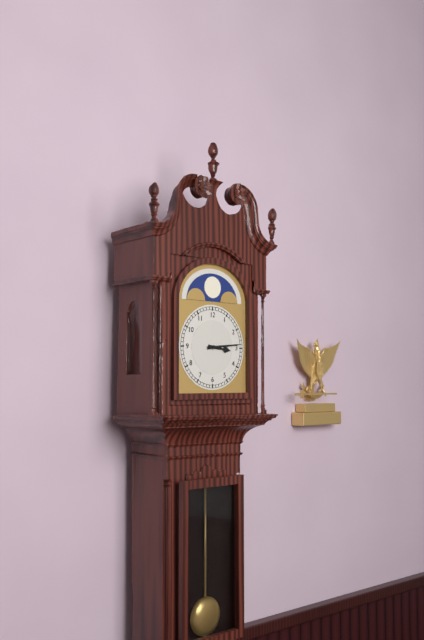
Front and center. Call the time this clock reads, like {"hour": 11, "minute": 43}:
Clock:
{"hour": 3, "minute": 14}
